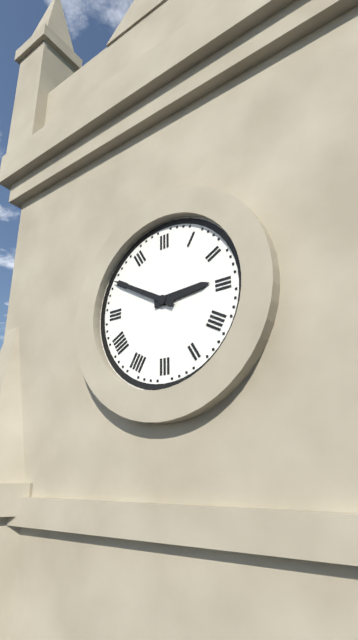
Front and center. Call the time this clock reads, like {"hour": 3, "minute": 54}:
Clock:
{"hour": 2, "minute": 50}
